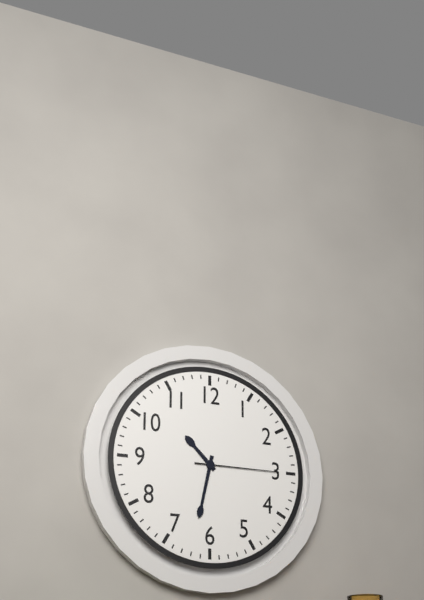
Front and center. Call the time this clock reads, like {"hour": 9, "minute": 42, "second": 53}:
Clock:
{"hour": 10, "minute": 32, "second": 15}
